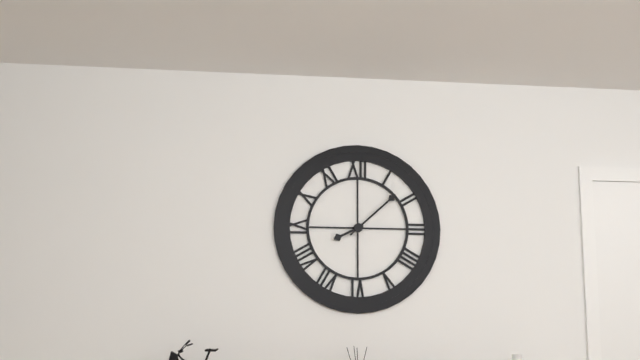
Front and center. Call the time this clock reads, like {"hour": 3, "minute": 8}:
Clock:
{"hour": 8, "minute": 8}
